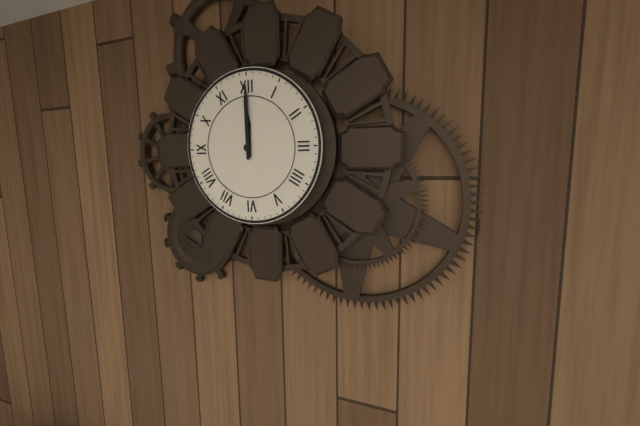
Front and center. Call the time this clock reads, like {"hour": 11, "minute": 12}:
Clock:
{"hour": 12, "minute": 0}
